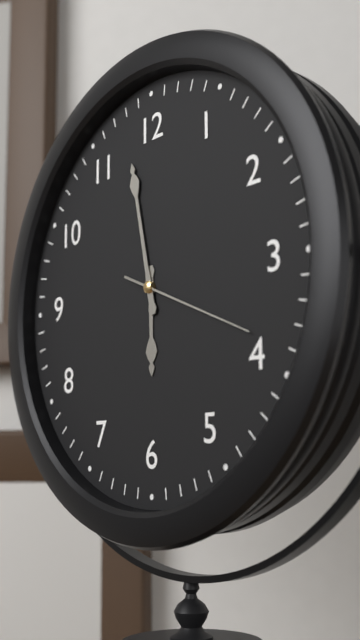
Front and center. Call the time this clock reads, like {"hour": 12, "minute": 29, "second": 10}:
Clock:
{"hour": 5, "minute": 58, "second": 19}
